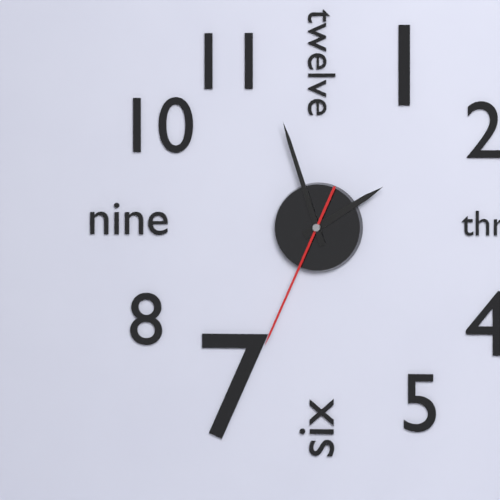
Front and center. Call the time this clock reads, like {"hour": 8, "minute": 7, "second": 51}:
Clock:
{"hour": 1, "minute": 57, "second": 34}
